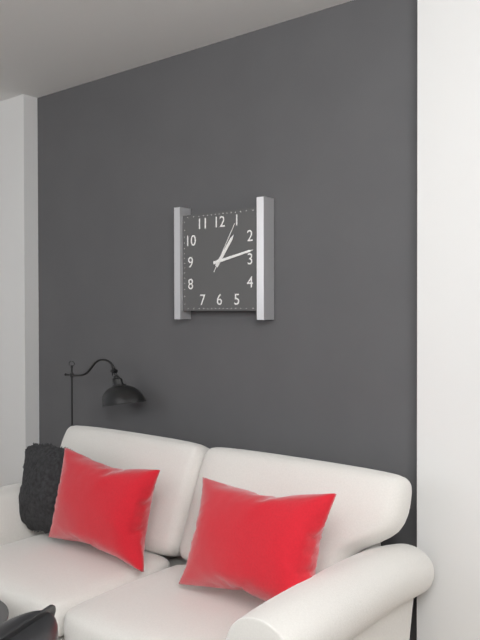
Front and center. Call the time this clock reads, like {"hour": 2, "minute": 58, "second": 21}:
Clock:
{"hour": 1, "minute": 13, "second": 5}
